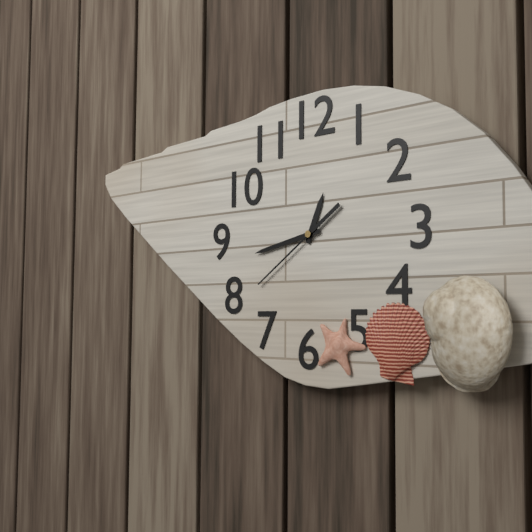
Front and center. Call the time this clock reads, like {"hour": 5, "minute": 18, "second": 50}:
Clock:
{"hour": 12, "minute": 43, "second": 39}
